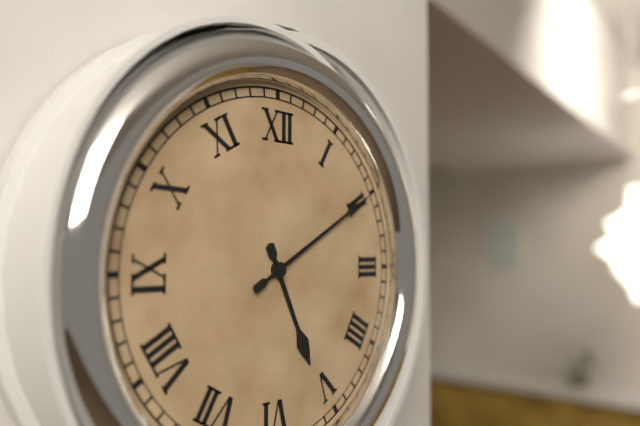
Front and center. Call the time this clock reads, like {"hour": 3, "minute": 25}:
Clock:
{"hour": 5, "minute": 10}
